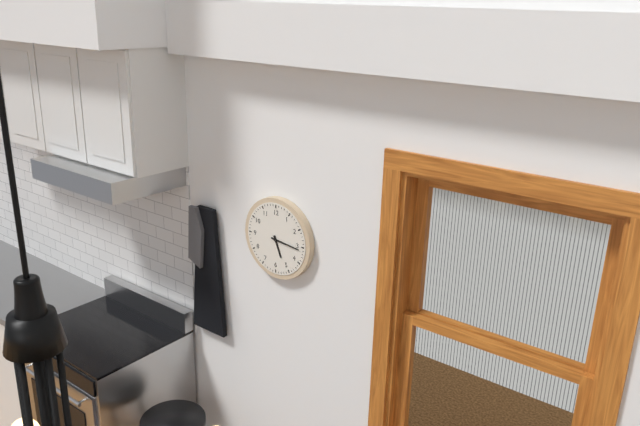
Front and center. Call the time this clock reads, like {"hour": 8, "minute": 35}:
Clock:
{"hour": 5, "minute": 16}
